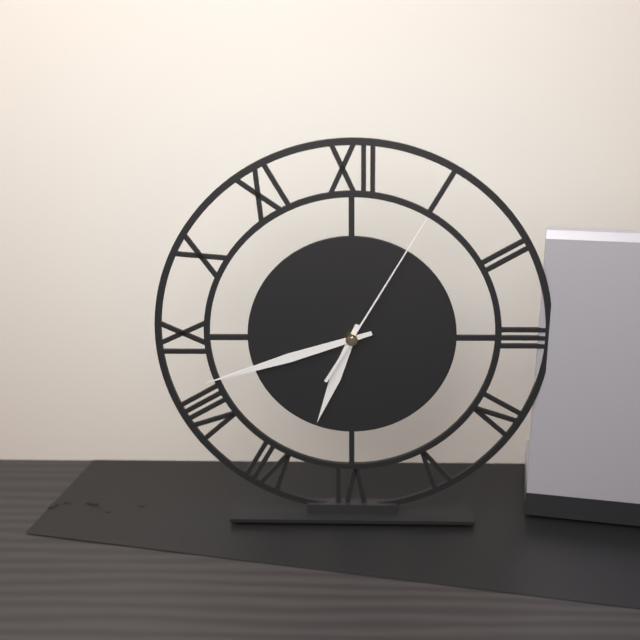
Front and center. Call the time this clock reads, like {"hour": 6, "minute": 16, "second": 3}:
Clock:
{"hour": 6, "minute": 42, "second": 5}
